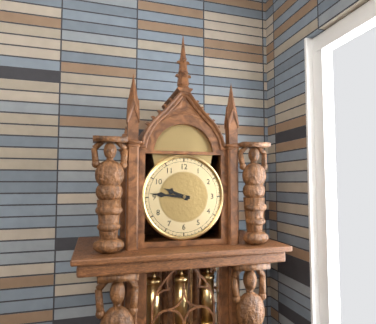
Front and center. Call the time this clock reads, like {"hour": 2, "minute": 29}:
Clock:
{"hour": 9, "minute": 46}
